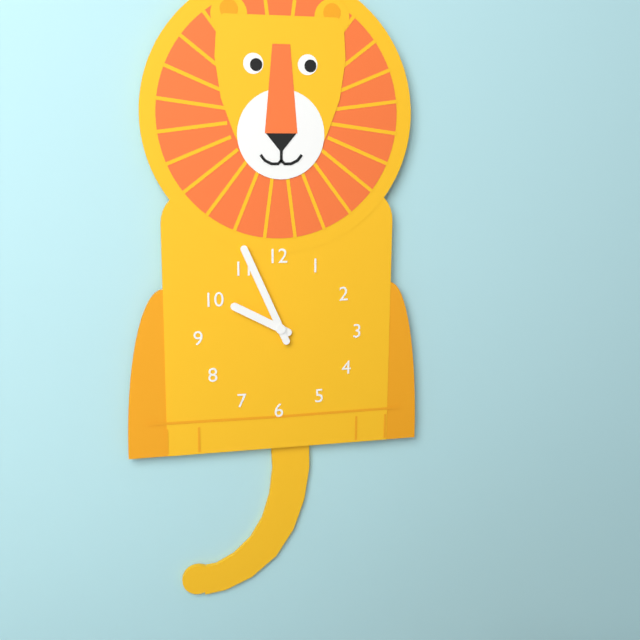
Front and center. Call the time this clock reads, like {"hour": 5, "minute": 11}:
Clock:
{"hour": 9, "minute": 56}
